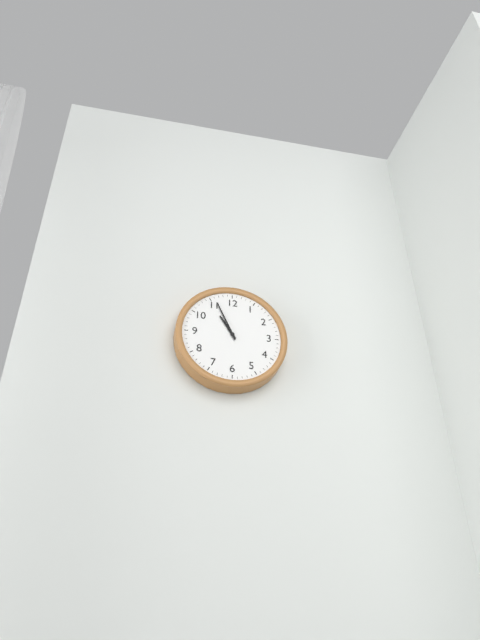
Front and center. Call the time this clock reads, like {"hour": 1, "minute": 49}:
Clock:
{"hour": 10, "minute": 56}
